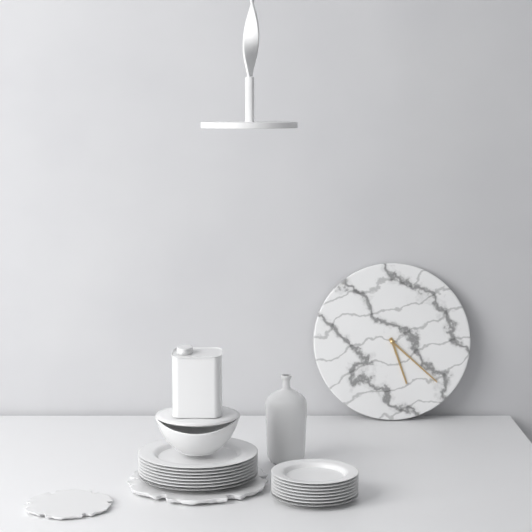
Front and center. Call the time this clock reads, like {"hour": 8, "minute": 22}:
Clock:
{"hour": 5, "minute": 22}
